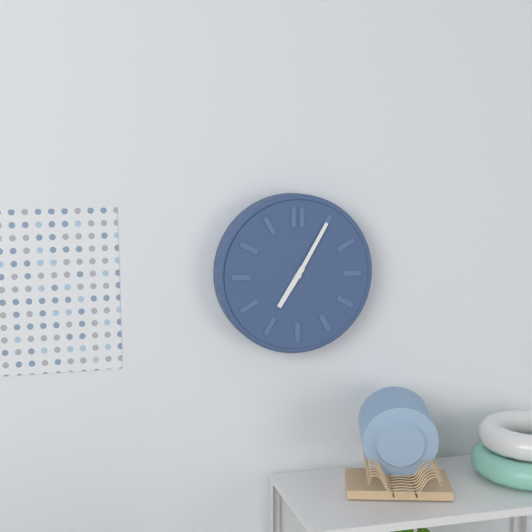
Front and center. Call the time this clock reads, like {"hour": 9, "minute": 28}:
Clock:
{"hour": 7, "minute": 5}
